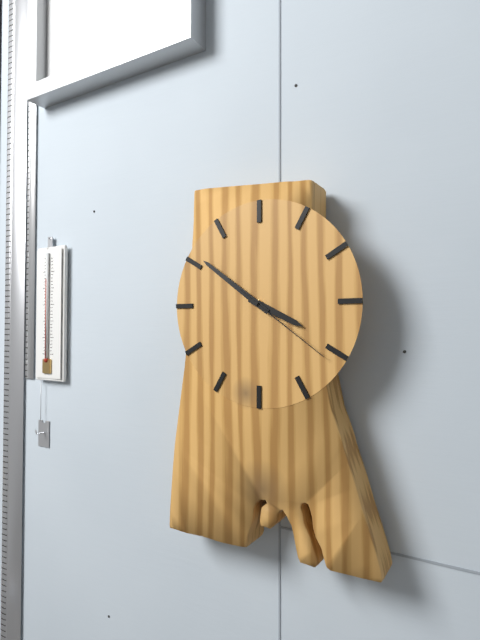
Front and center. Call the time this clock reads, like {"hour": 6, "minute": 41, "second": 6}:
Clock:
{"hour": 3, "minute": 51, "second": 21}
